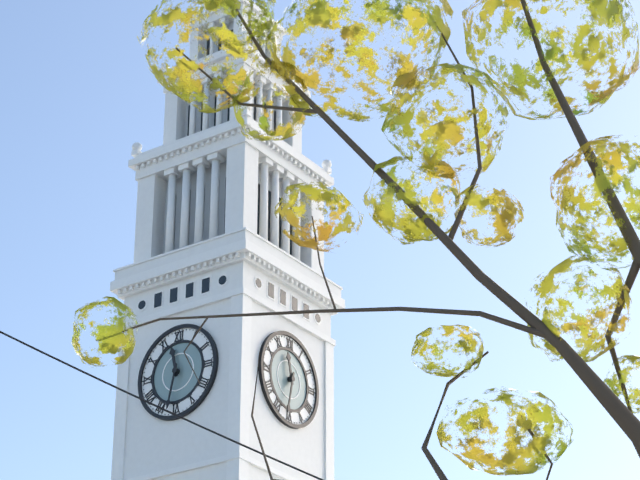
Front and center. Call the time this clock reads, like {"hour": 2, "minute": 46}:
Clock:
{"hour": 11, "minute": 32}
